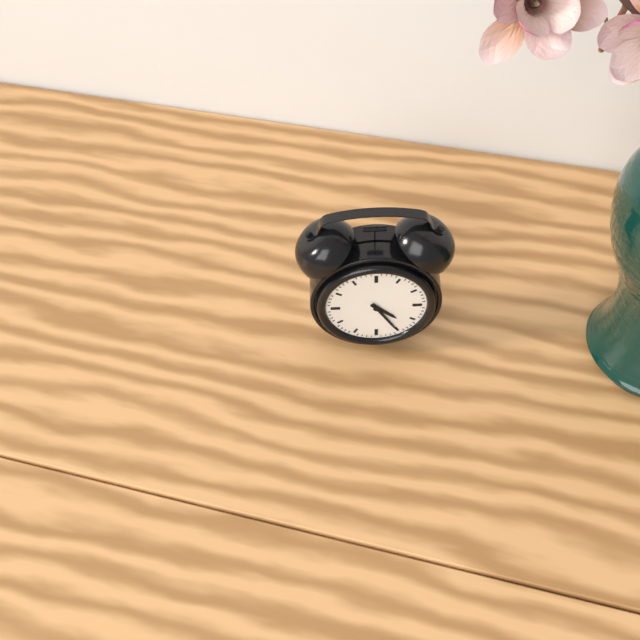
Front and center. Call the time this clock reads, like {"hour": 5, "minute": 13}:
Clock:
{"hour": 4, "minute": 25}
